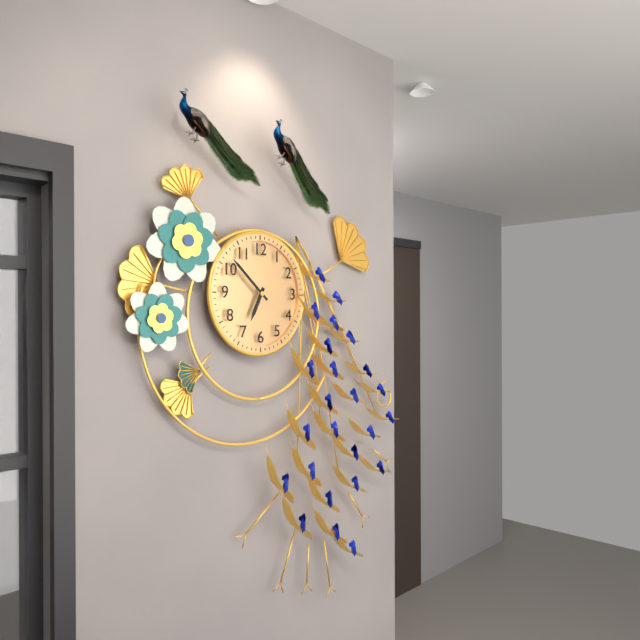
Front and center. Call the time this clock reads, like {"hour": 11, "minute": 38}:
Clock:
{"hour": 6, "minute": 52}
